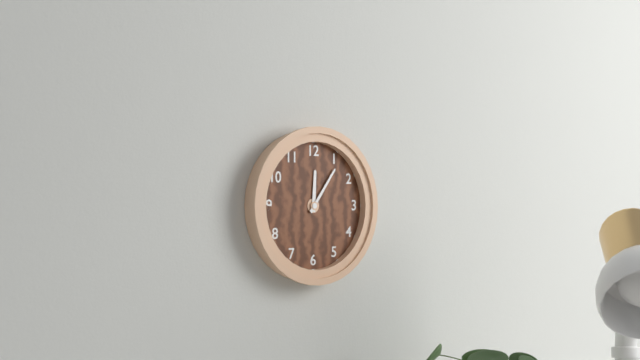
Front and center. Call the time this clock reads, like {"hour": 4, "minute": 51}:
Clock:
{"hour": 12, "minute": 6}
